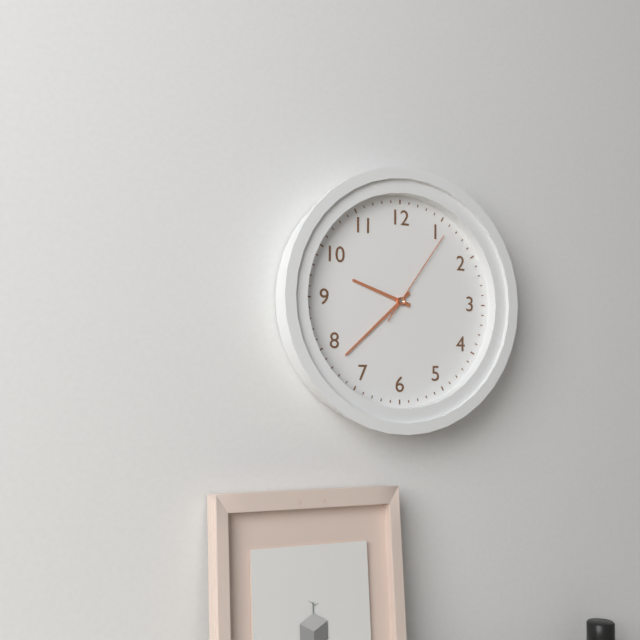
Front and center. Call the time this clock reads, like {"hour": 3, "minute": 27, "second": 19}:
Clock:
{"hour": 9, "minute": 38, "second": 6}
